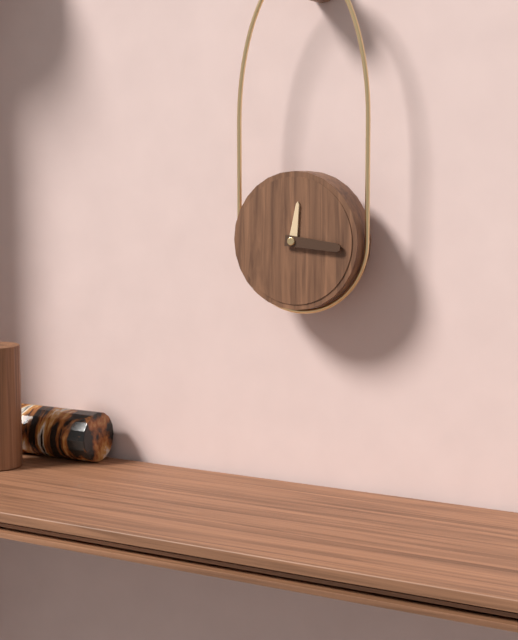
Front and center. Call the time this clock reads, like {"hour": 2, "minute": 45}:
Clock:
{"hour": 12, "minute": 16}
